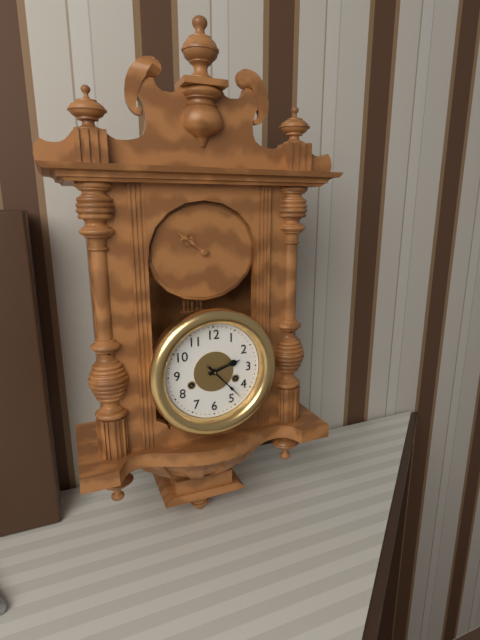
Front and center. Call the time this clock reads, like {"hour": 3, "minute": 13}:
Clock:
{"hour": 2, "minute": 23}
